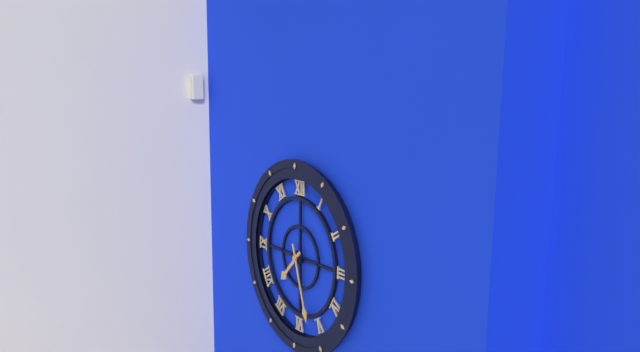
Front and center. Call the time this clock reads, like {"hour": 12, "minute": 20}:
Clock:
{"hour": 7, "minute": 27}
